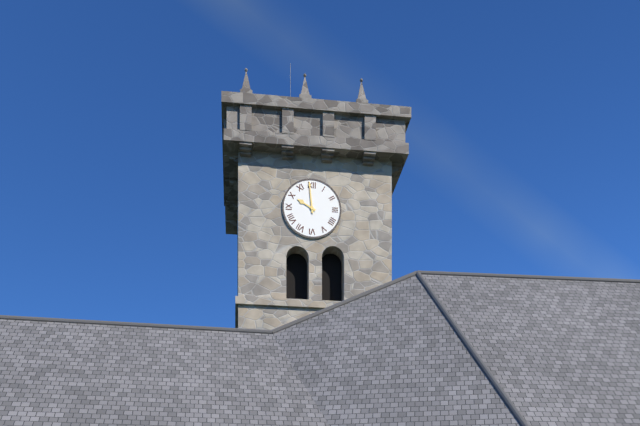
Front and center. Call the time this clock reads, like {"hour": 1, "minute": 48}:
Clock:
{"hour": 9, "minute": 59}
